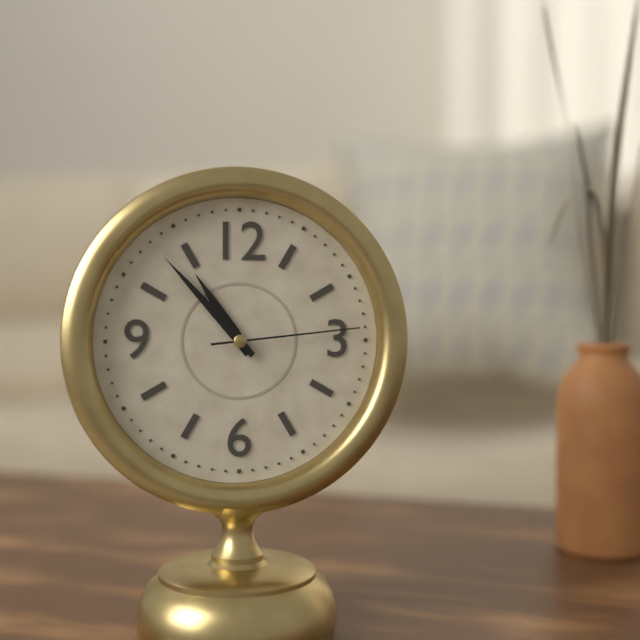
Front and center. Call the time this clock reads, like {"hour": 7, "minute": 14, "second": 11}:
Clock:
{"hour": 10, "minute": 53, "second": 14}
